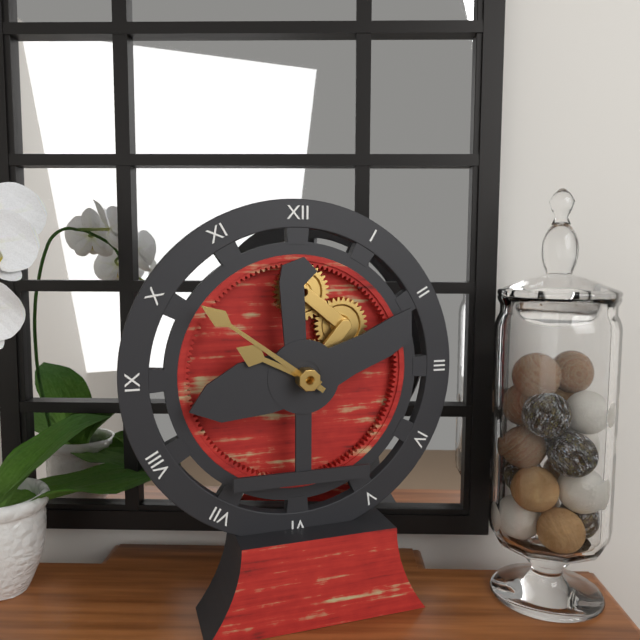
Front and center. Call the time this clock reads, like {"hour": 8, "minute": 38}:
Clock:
{"hour": 9, "minute": 51}
